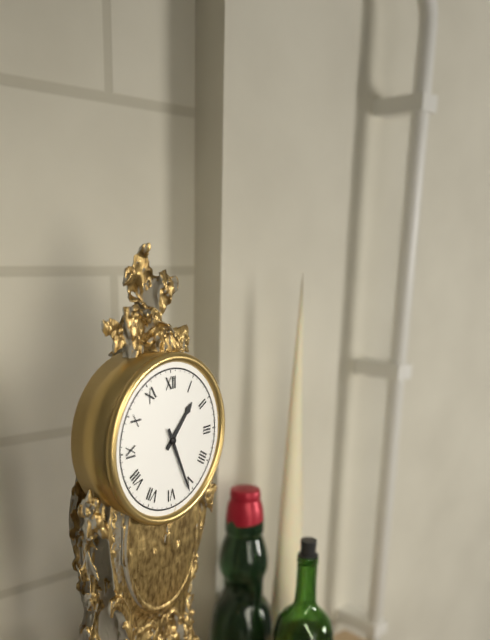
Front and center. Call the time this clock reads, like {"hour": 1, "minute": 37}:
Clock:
{"hour": 1, "minute": 26}
